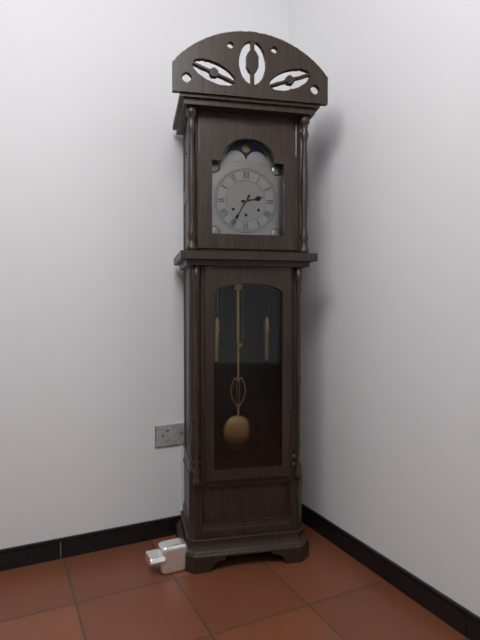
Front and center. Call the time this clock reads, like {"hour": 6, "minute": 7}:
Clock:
{"hour": 2, "minute": 35}
